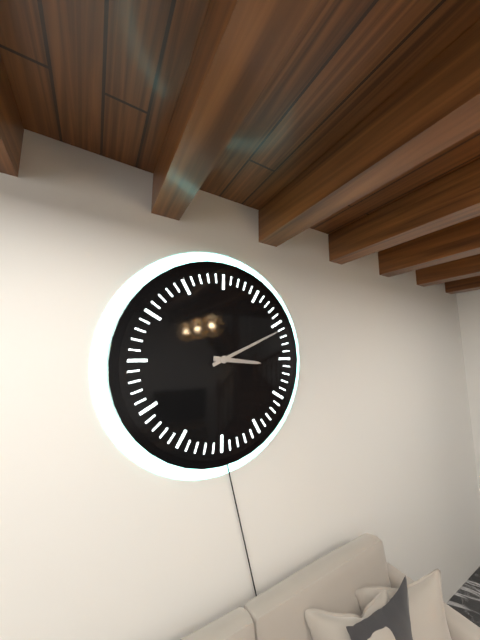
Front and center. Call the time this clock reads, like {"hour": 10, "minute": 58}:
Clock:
{"hour": 3, "minute": 11}
